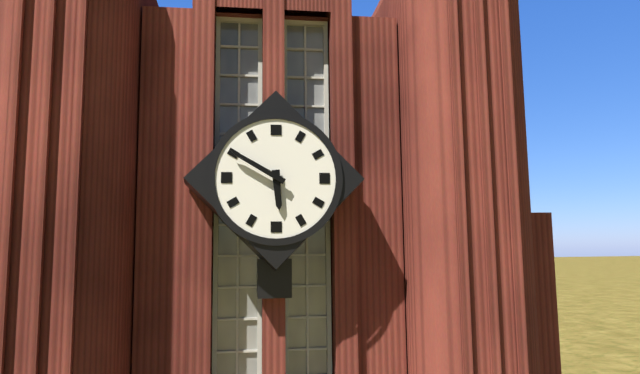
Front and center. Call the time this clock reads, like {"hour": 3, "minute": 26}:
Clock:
{"hour": 5, "minute": 50}
